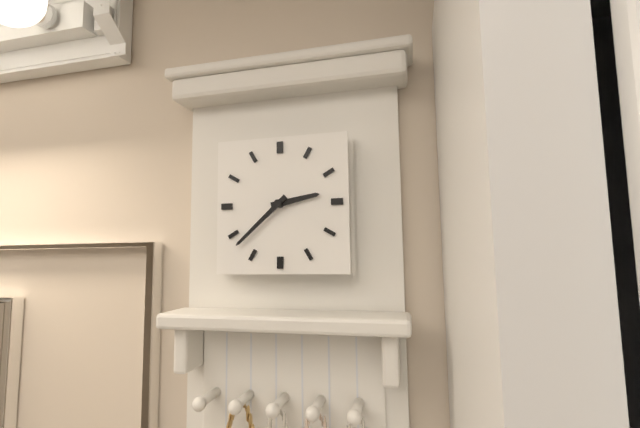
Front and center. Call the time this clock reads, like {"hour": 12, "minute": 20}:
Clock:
{"hour": 2, "minute": 38}
